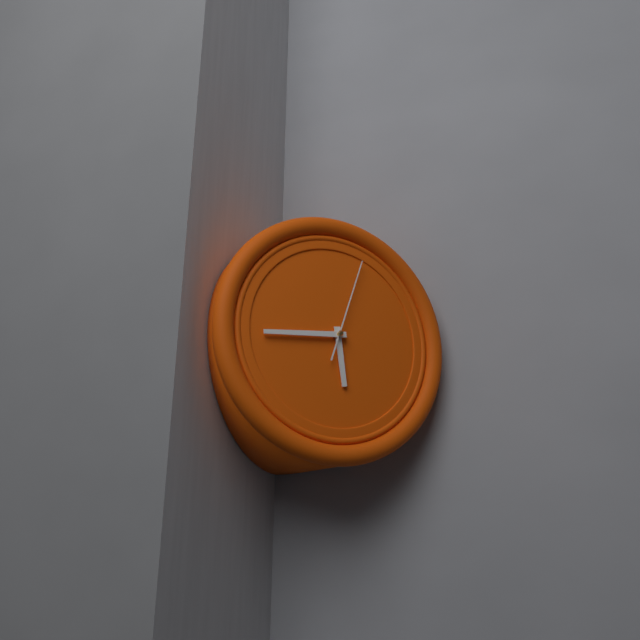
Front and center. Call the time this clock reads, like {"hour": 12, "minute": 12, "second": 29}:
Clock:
{"hour": 5, "minute": 44, "second": 3}
